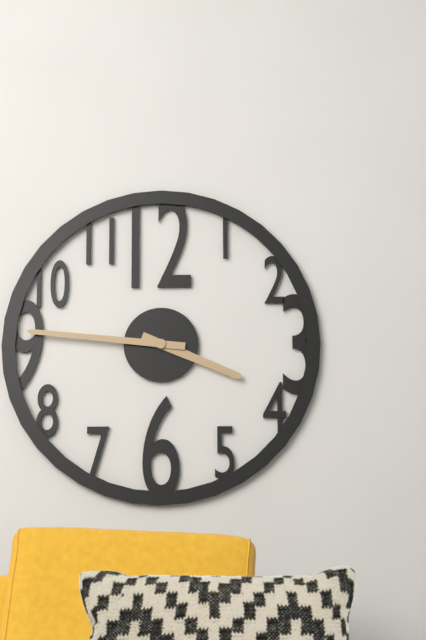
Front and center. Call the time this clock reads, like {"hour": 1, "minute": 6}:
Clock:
{"hour": 3, "minute": 46}
